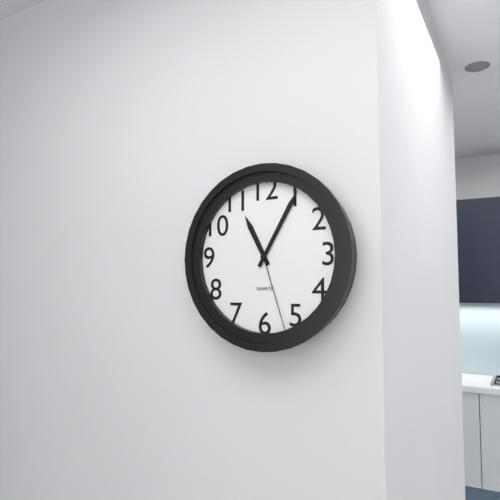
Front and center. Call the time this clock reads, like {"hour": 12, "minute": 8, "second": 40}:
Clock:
{"hour": 11, "minute": 5, "second": 27}
